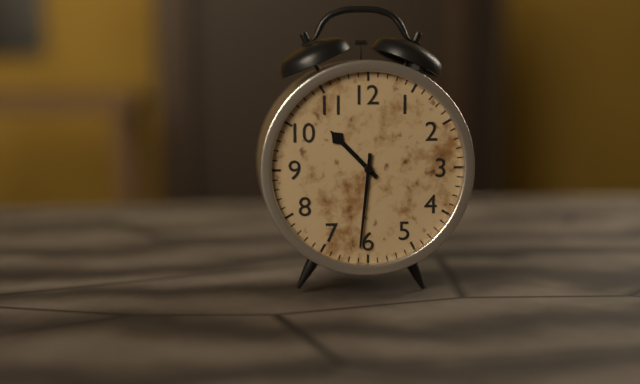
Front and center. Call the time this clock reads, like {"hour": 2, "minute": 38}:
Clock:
{"hour": 10, "minute": 31}
